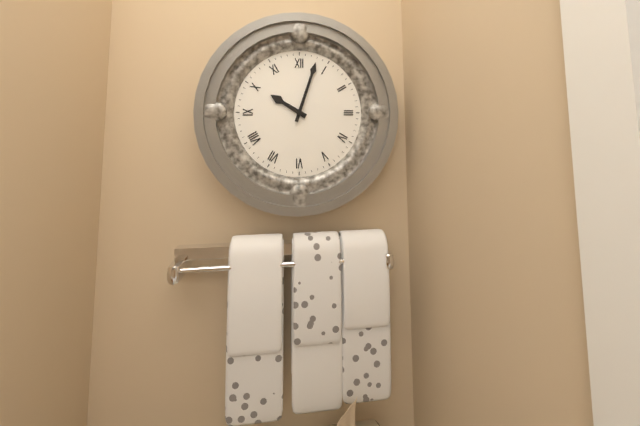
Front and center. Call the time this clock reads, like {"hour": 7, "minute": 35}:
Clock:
{"hour": 10, "minute": 3}
